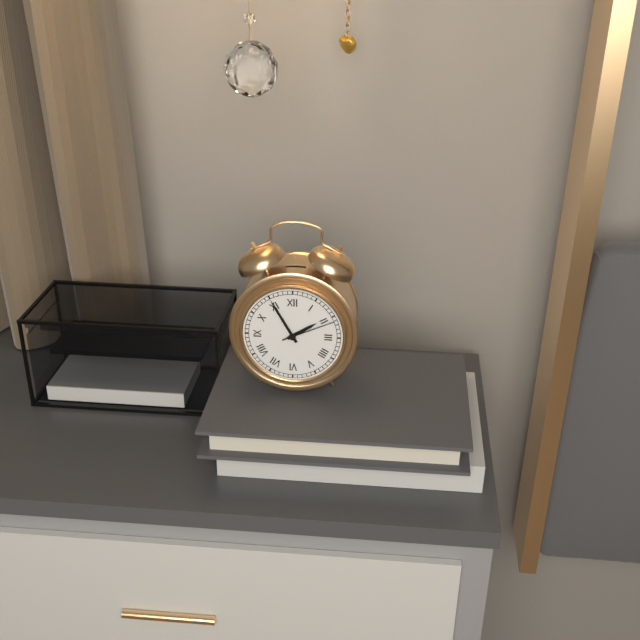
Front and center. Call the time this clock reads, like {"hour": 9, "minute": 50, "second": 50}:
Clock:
{"hour": 1, "minute": 55, "second": 11}
